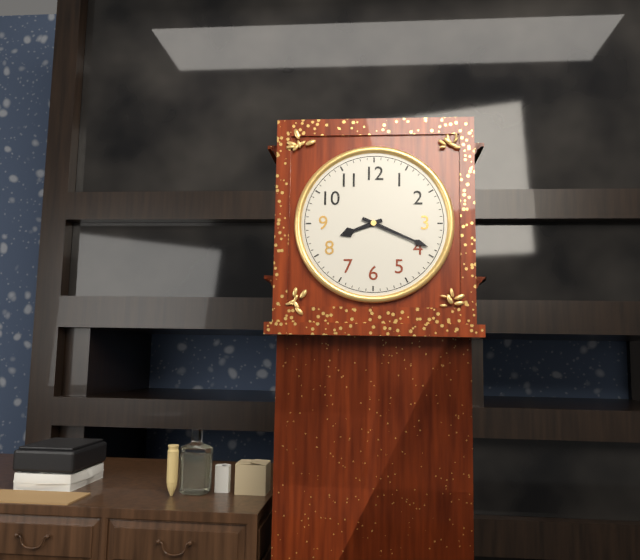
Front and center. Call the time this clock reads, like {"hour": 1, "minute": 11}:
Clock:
{"hour": 8, "minute": 19}
